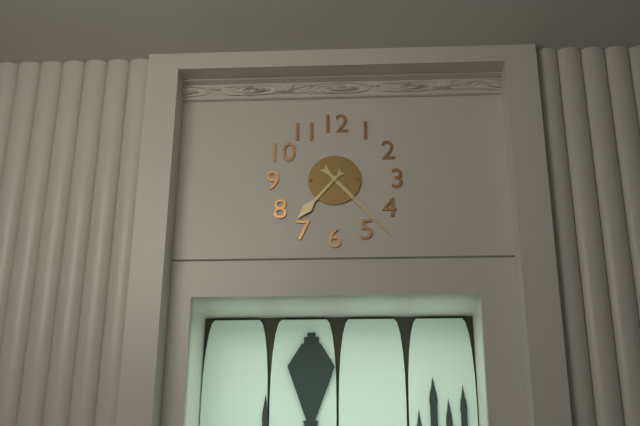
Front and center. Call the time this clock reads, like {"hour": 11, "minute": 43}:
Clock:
{"hour": 7, "minute": 23}
